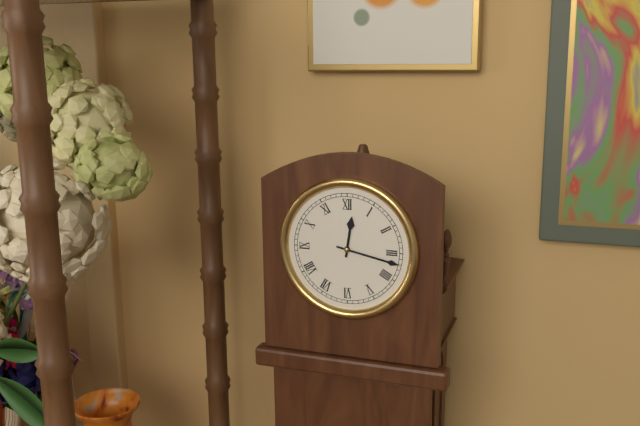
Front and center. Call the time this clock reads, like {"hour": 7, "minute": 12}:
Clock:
{"hour": 12, "minute": 17}
